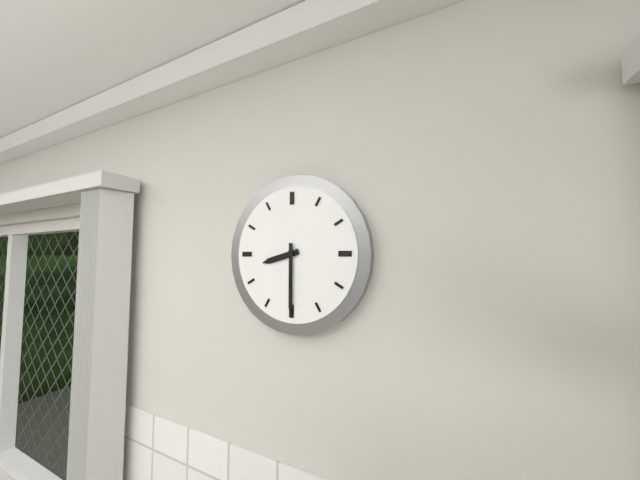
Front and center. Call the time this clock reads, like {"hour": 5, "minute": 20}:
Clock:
{"hour": 8, "minute": 30}
